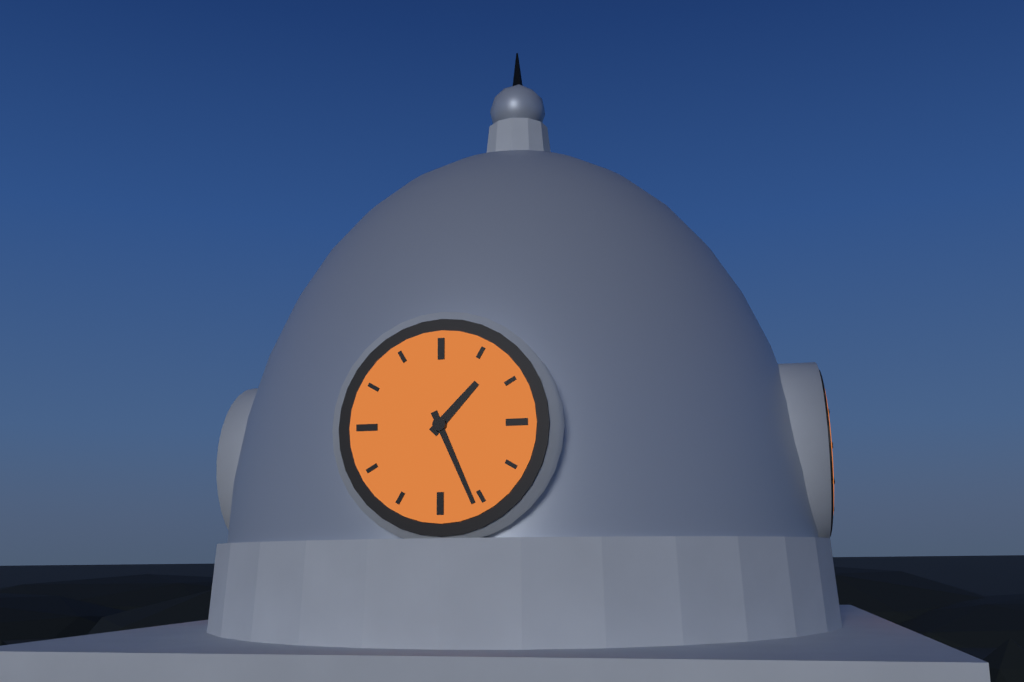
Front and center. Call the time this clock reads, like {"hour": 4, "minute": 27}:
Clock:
{"hour": 1, "minute": 26}
